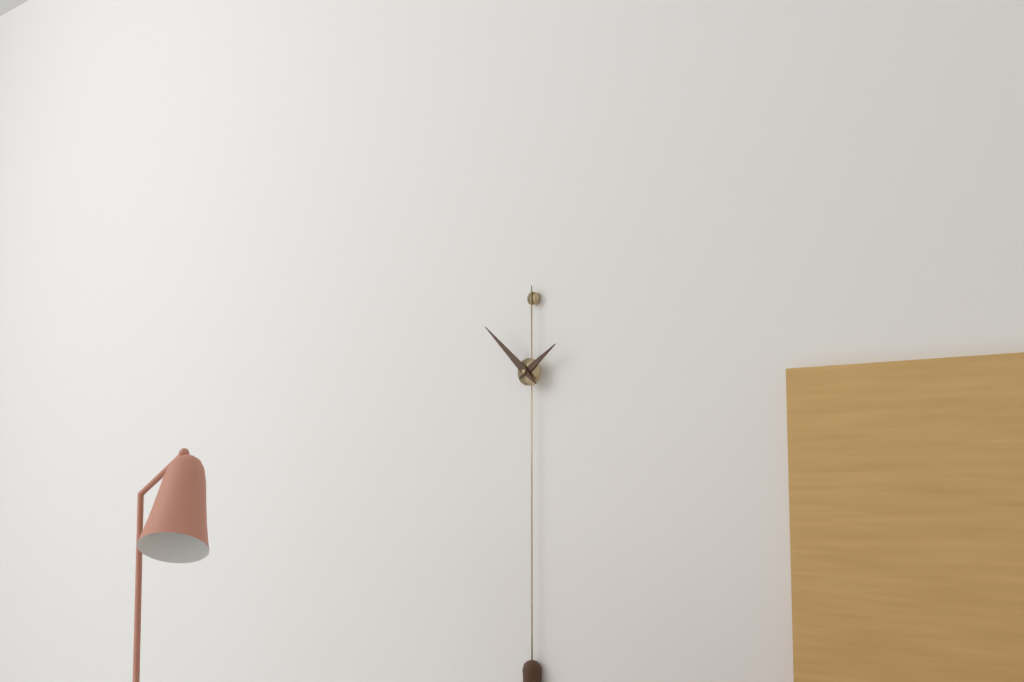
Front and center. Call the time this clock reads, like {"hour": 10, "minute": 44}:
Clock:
{"hour": 1, "minute": 52}
